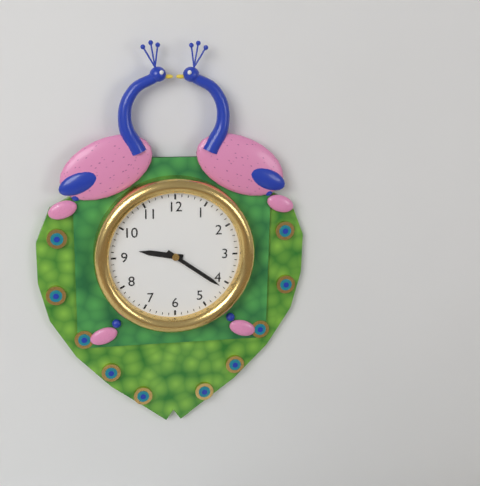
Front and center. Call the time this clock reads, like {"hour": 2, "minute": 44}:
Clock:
{"hour": 9, "minute": 21}
